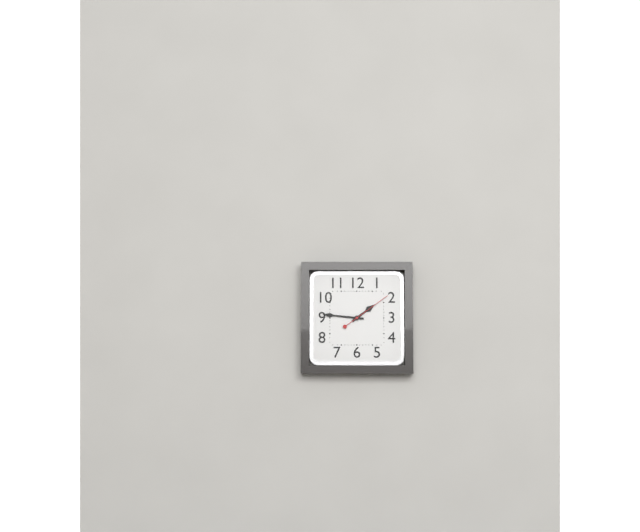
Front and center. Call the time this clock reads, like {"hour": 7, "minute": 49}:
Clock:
{"hour": 1, "minute": 46}
